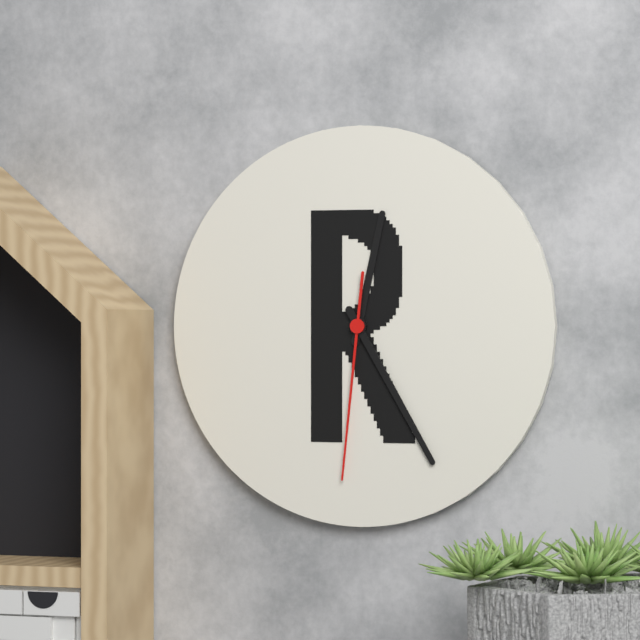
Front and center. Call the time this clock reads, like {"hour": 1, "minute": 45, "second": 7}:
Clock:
{"hour": 12, "minute": 25, "second": 31}
